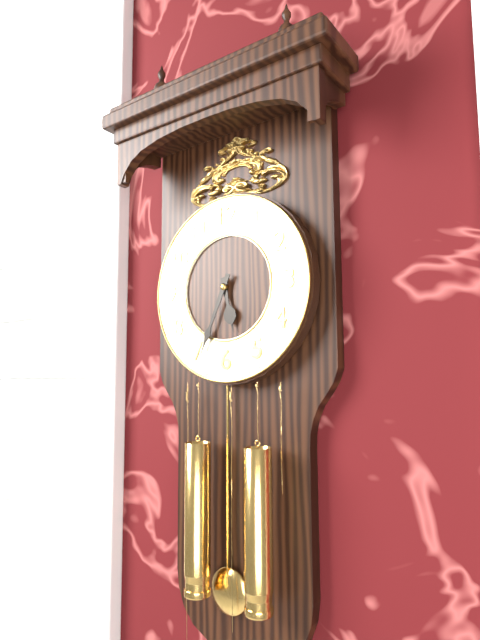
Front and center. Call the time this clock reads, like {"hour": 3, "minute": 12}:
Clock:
{"hour": 5, "minute": 34}
